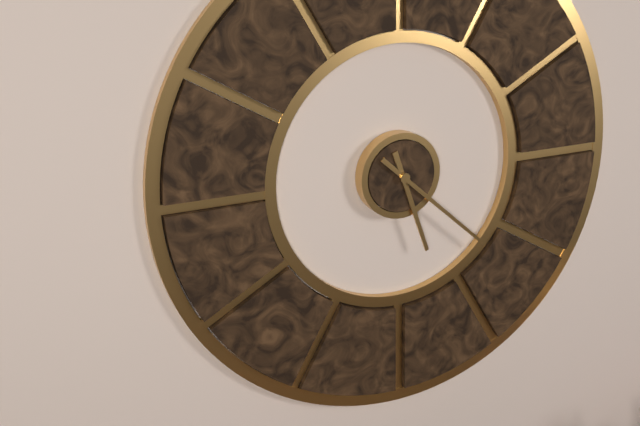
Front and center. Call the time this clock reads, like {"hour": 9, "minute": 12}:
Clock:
{"hour": 5, "minute": 22}
